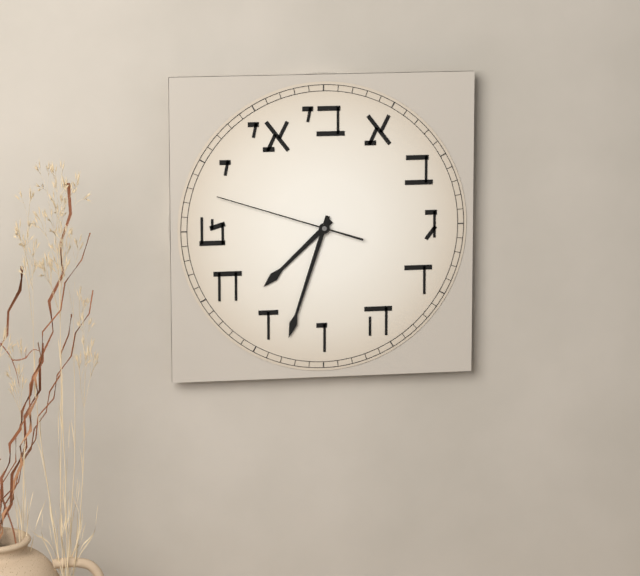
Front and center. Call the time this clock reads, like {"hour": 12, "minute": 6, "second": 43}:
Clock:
{"hour": 7, "minute": 33, "second": 48}
